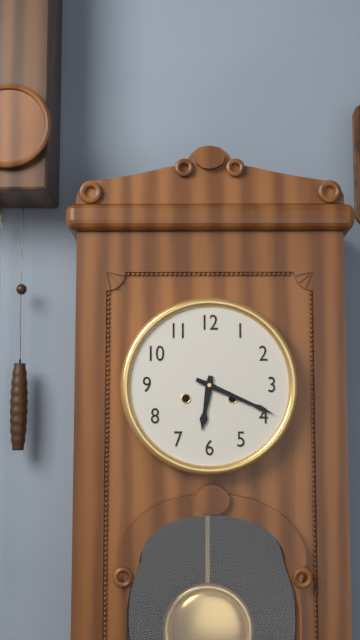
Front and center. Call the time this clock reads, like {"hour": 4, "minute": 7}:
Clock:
{"hour": 6, "minute": 19}
